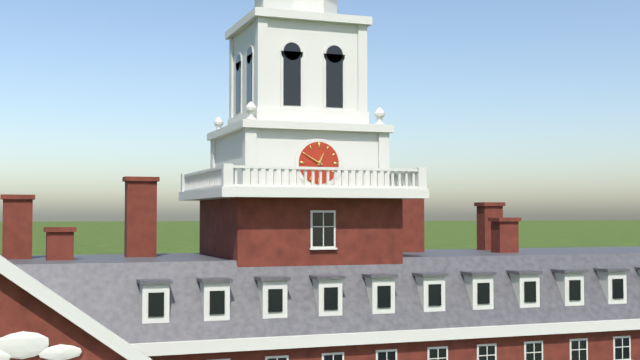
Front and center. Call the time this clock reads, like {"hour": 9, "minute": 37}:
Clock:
{"hour": 12, "minute": 50}
